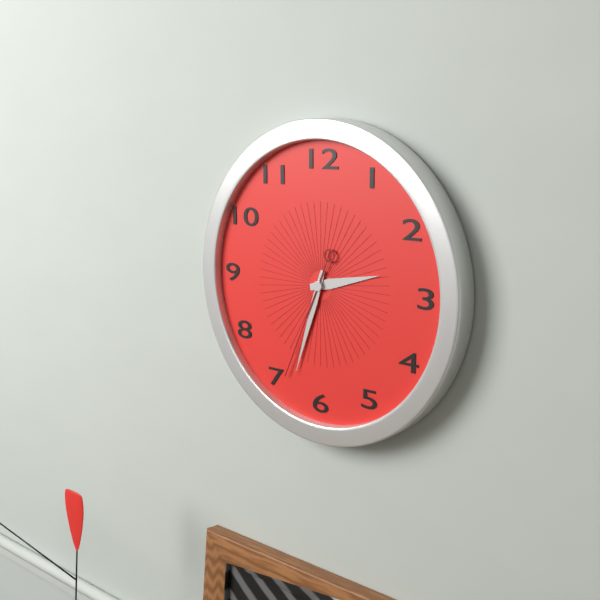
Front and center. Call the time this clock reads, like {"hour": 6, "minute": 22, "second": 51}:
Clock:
{"hour": 2, "minute": 33, "second": 34}
